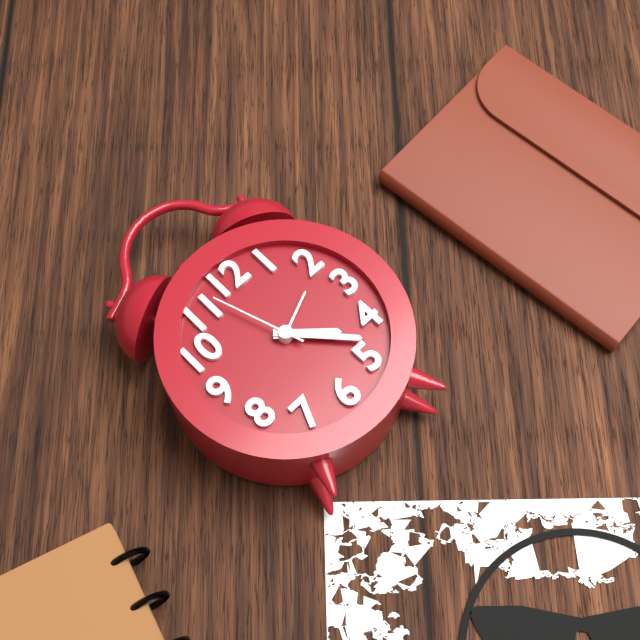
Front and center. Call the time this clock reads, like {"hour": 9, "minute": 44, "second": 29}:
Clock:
{"hour": 4, "minute": 23, "second": 57}
